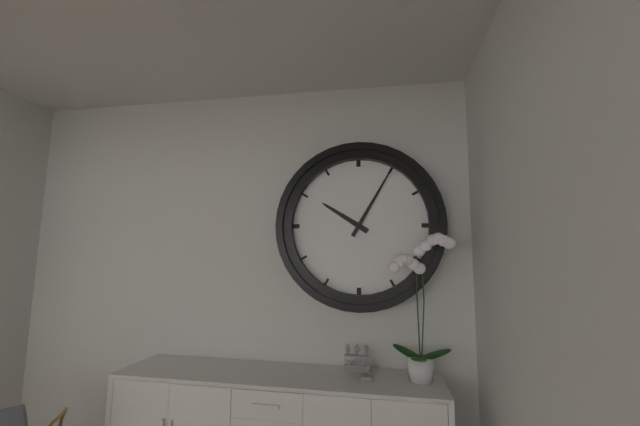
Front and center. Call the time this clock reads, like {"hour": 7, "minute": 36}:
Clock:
{"hour": 10, "minute": 5}
